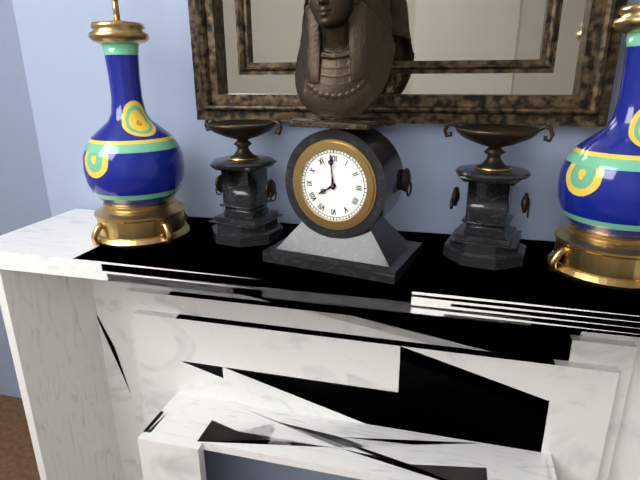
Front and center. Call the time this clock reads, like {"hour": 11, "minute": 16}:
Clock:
{"hour": 7, "minute": 59}
